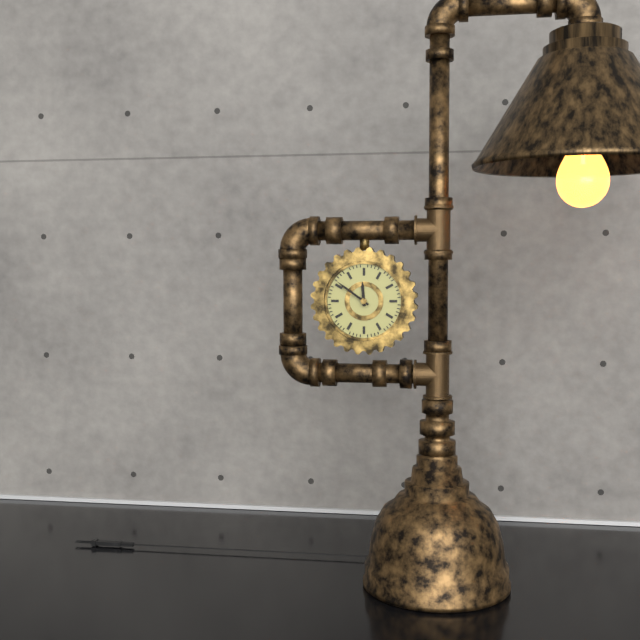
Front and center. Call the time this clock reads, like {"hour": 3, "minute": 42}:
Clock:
{"hour": 11, "minute": 51}
